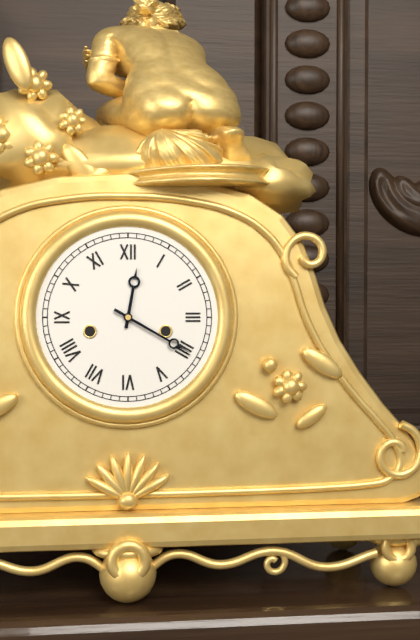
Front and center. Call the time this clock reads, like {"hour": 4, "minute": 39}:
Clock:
{"hour": 12, "minute": 20}
